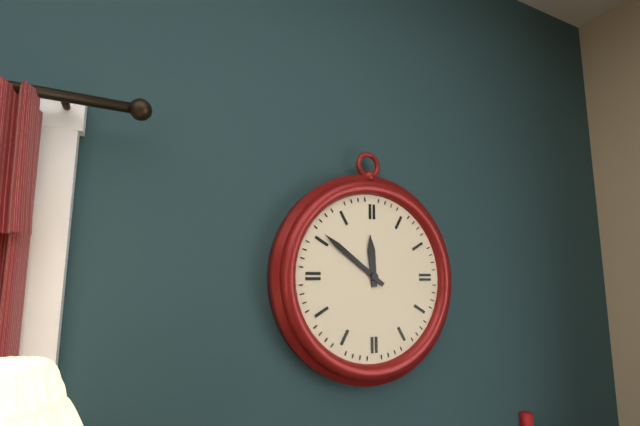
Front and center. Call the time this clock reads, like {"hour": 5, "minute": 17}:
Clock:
{"hour": 11, "minute": 51}
